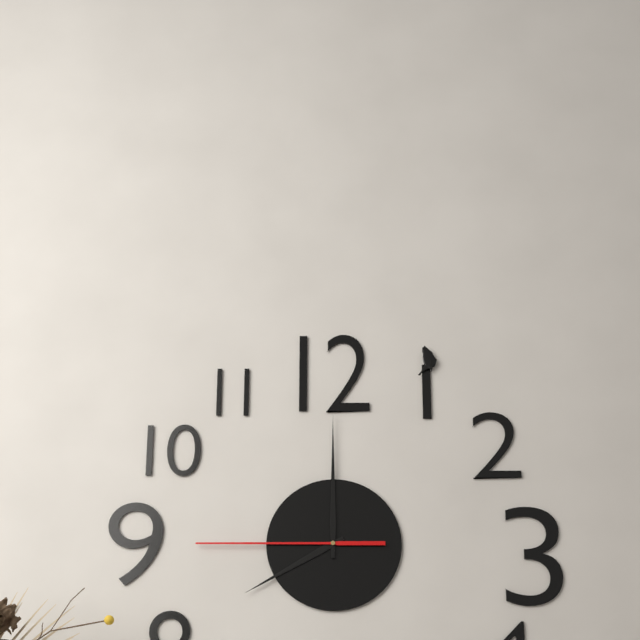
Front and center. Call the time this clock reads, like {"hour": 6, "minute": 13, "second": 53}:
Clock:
{"hour": 8, "minute": 0, "second": 45}
